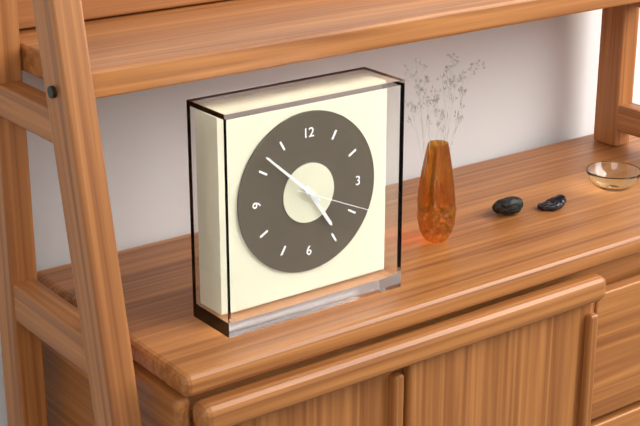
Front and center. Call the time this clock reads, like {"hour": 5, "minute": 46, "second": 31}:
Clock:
{"hour": 4, "minute": 52, "second": 19}
